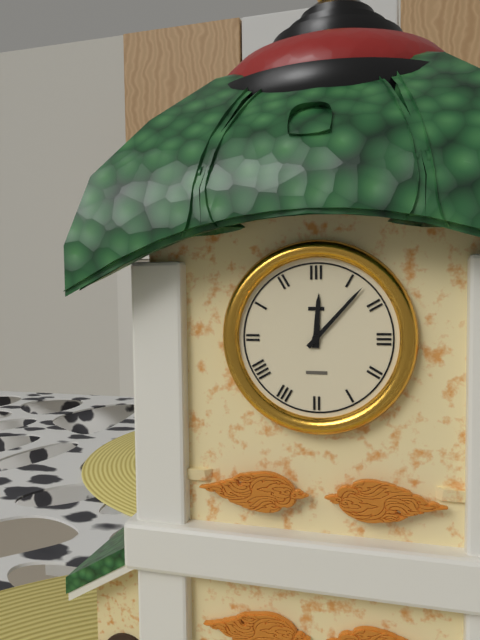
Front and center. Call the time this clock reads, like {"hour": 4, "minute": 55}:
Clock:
{"hour": 12, "minute": 7}
